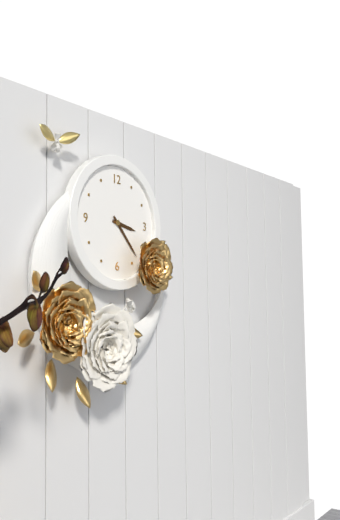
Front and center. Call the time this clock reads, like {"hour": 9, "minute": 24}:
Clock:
{"hour": 3, "minute": 23}
